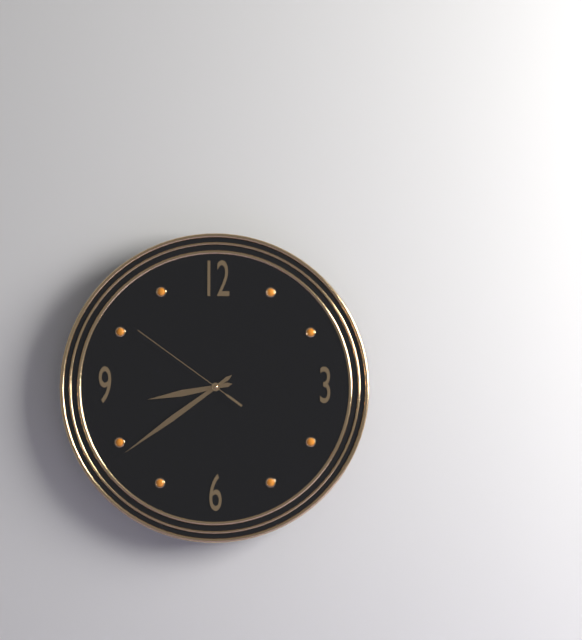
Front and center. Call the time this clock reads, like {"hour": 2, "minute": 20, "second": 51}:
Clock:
{"hour": 8, "minute": 39, "second": 51}
